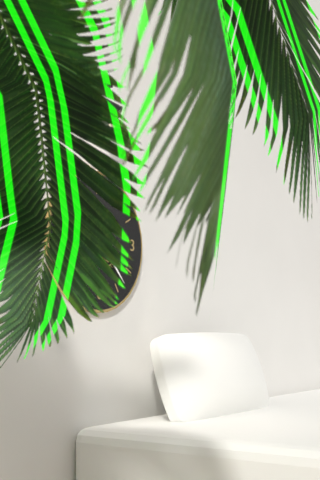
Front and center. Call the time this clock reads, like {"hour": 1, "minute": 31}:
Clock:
{"hour": 11, "minute": 23}
